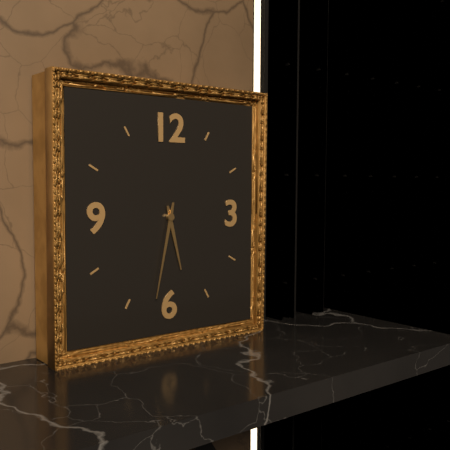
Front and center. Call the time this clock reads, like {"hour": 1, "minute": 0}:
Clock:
{"hour": 5, "minute": 32}
